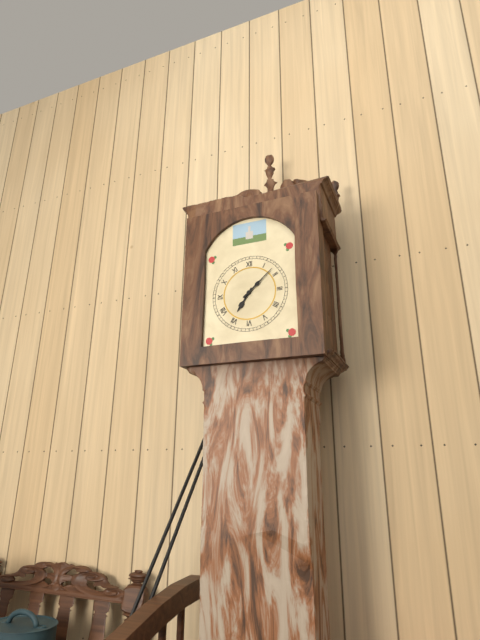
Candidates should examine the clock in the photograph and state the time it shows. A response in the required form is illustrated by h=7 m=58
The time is h=7 m=8
